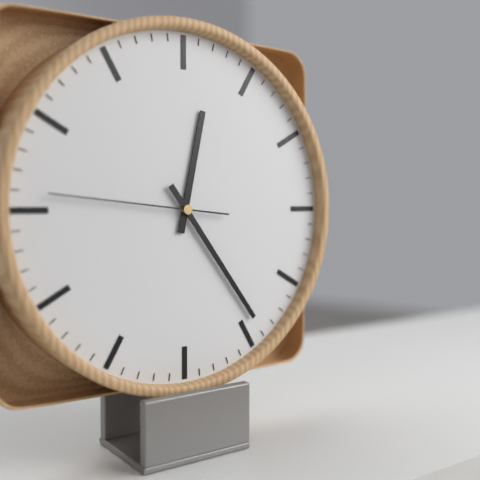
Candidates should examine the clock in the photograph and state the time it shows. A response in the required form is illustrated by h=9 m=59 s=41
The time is h=12 m=24 s=46
